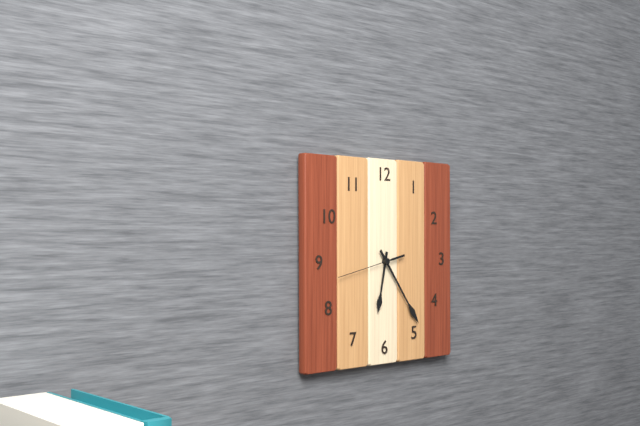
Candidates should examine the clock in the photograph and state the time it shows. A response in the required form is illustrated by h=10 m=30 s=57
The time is h=6 m=24 s=43
